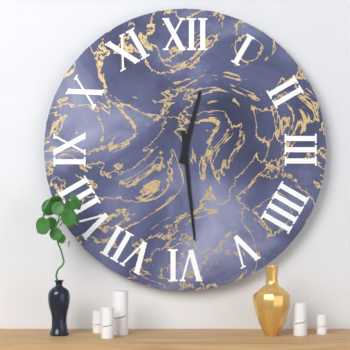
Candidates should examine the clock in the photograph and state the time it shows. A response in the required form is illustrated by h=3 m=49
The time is h=12 m=29
